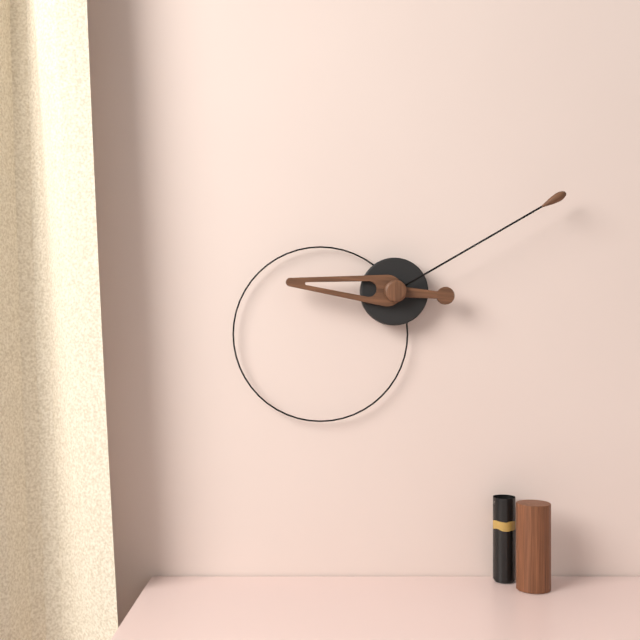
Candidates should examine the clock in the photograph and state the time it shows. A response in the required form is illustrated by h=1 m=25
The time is h=9 m=10
